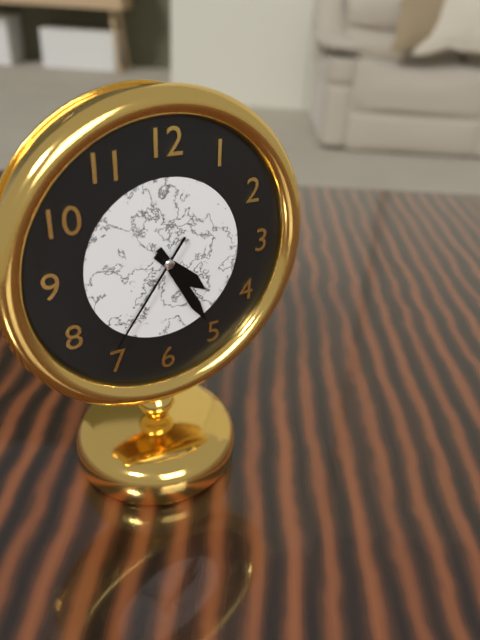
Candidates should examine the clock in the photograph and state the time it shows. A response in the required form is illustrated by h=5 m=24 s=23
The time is h=4 m=25 s=36
